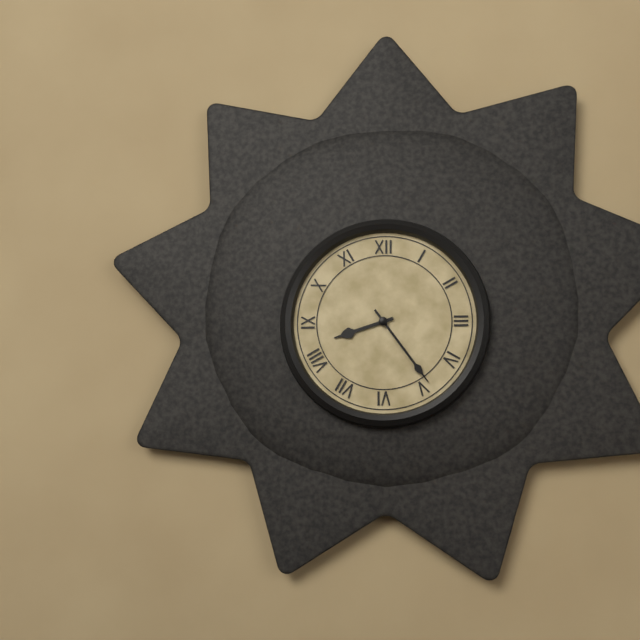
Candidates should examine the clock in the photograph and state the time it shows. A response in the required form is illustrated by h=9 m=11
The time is h=8 m=24
